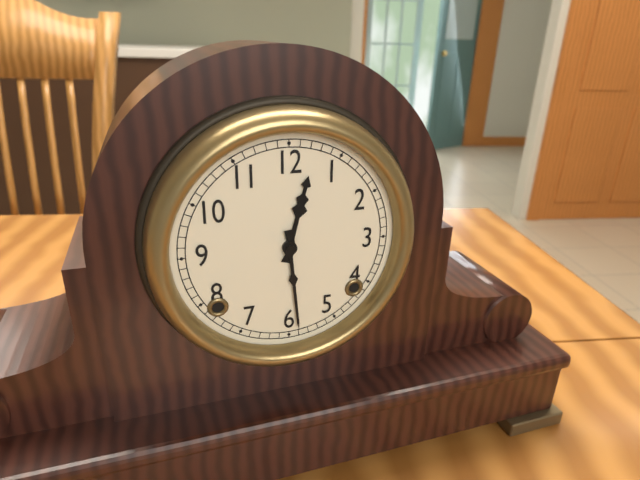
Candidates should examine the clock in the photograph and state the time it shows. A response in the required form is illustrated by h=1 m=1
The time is h=12 m=29
